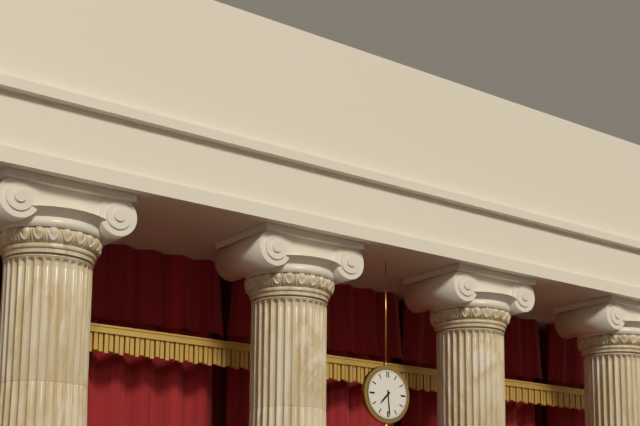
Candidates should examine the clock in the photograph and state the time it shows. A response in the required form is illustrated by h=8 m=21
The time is h=7 m=29
